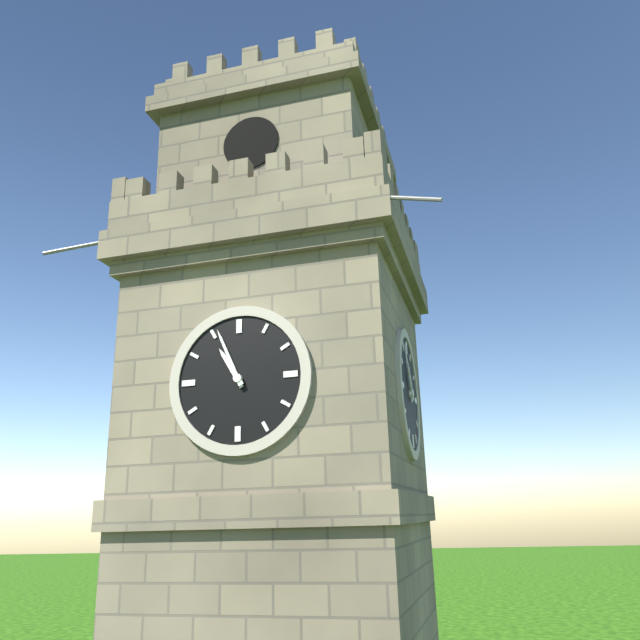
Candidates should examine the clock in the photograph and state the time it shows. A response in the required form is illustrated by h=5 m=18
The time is h=10 m=56
